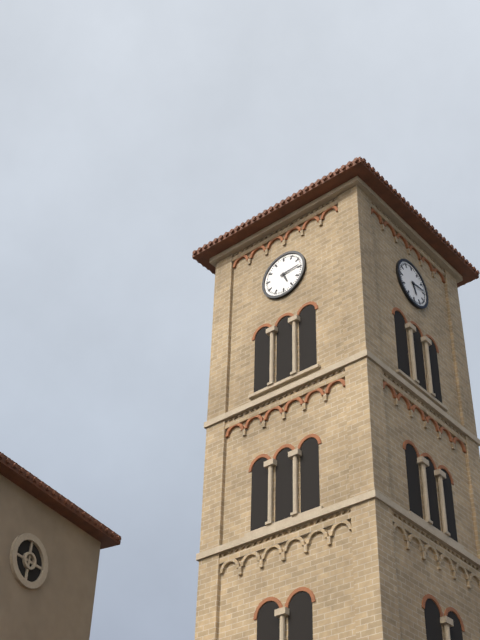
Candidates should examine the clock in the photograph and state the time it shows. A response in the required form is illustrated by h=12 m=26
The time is h=5 m=14
